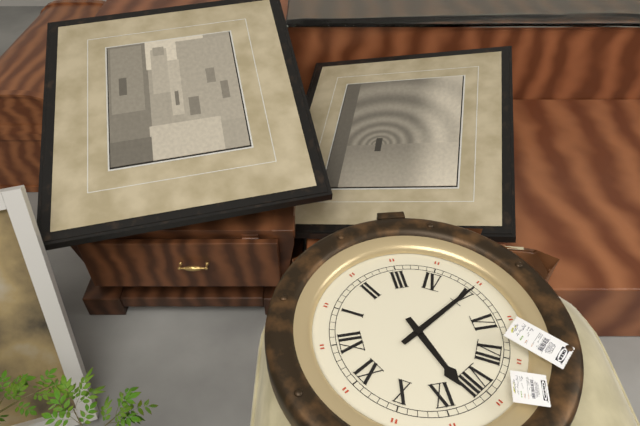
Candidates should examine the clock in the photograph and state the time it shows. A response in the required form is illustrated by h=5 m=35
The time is h=8 m=25
